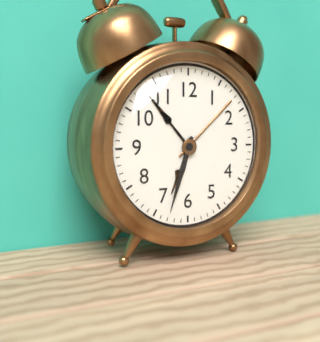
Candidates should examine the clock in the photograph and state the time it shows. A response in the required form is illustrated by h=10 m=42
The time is h=6 m=33
